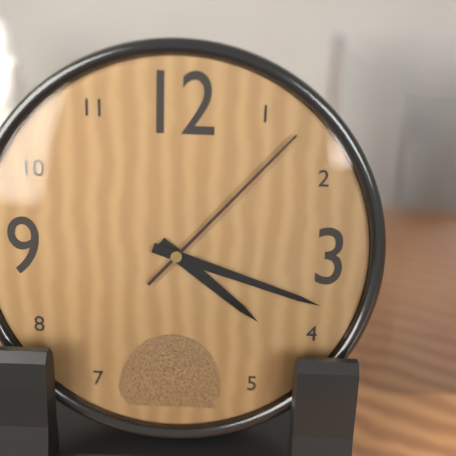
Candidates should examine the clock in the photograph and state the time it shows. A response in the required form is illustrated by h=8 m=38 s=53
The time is h=4 m=18 s=7
